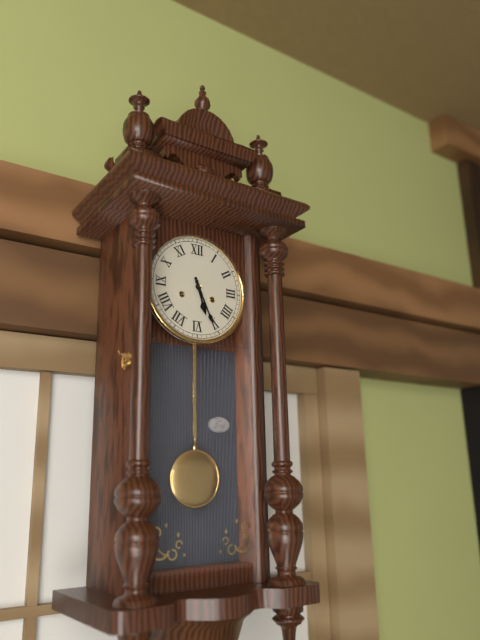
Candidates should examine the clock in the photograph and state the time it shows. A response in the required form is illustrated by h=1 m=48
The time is h=5 m=26
